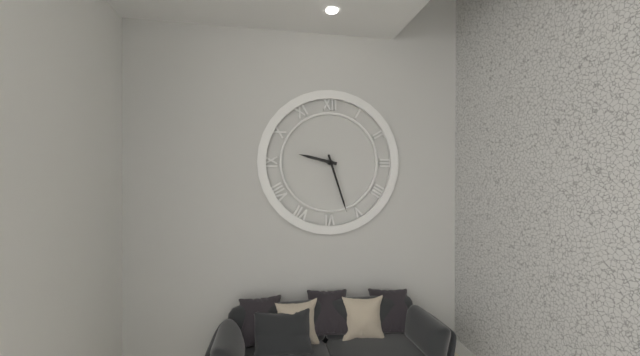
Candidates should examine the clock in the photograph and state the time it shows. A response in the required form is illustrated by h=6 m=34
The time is h=9 m=27
